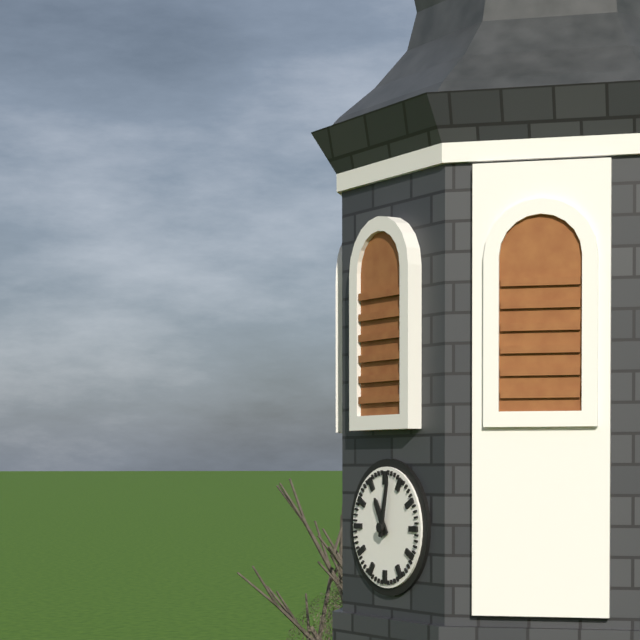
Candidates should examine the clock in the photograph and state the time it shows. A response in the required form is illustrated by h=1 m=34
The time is h=11 m=2
